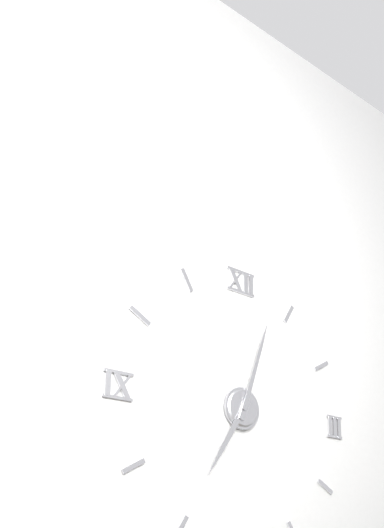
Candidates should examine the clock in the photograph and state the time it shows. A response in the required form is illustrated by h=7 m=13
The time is h=7 m=3
